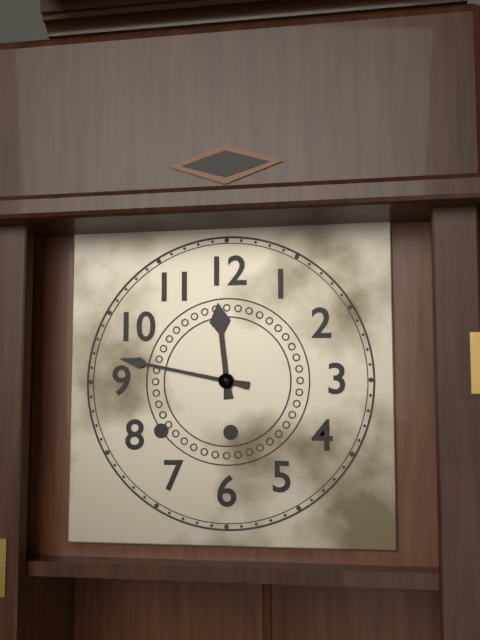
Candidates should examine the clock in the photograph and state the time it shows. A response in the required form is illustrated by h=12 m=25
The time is h=11 m=47
